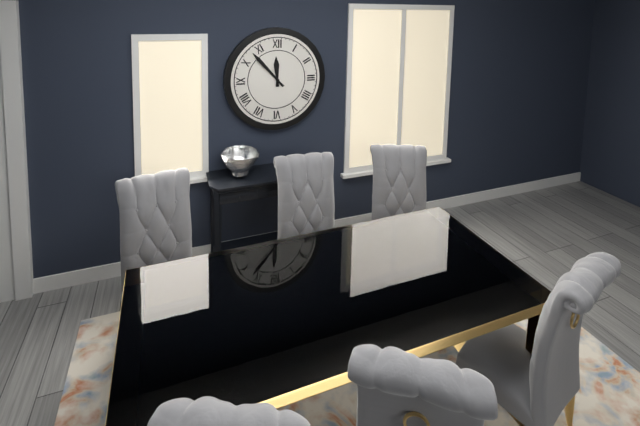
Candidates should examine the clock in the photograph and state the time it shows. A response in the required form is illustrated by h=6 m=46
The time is h=11 m=53
